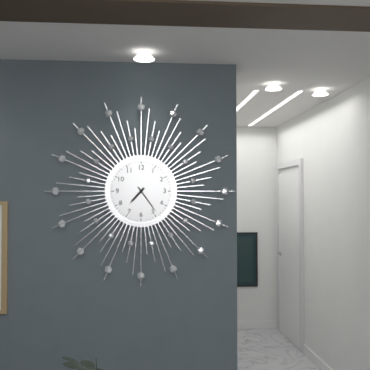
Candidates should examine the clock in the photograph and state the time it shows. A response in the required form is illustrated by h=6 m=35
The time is h=7 m=24
